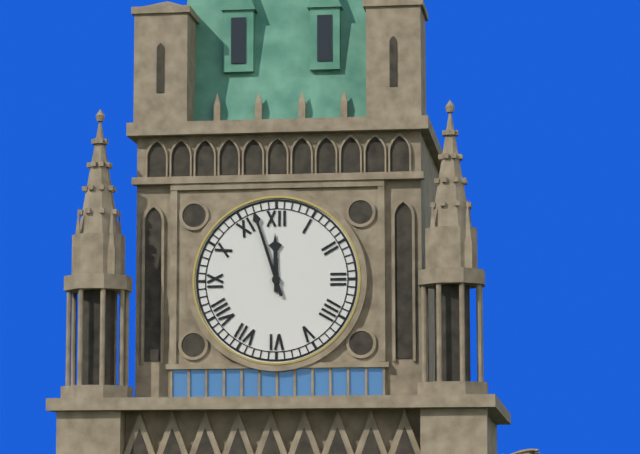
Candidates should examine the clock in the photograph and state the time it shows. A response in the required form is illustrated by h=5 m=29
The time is h=11 m=57
